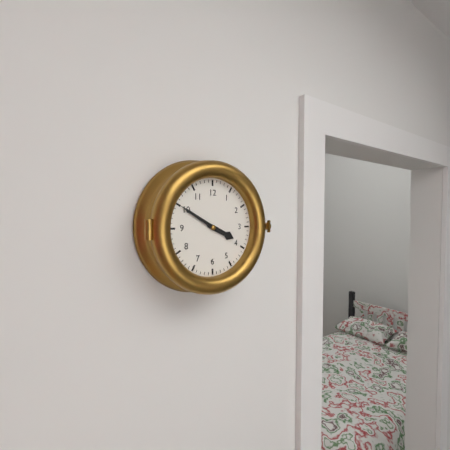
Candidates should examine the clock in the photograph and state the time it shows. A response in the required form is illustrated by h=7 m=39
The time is h=3 m=50
